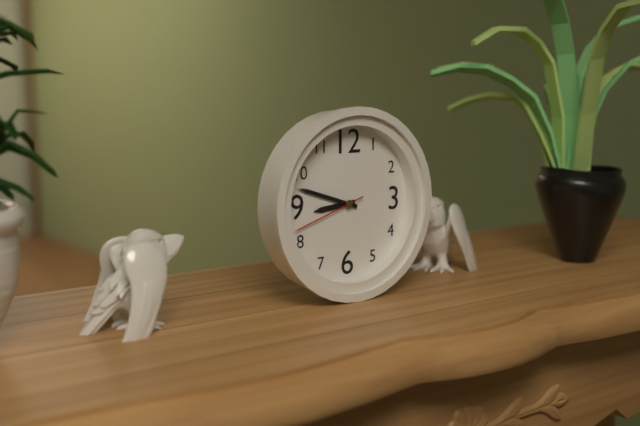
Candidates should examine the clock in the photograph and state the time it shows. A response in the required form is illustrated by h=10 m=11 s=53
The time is h=8 m=48 s=42
